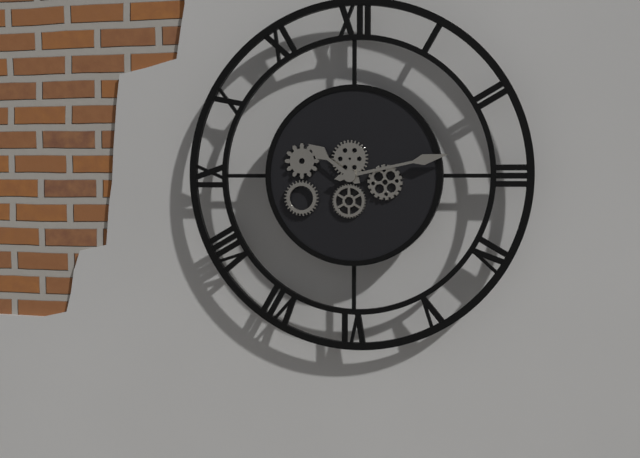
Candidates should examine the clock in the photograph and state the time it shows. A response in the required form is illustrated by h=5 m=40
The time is h=10 m=13
